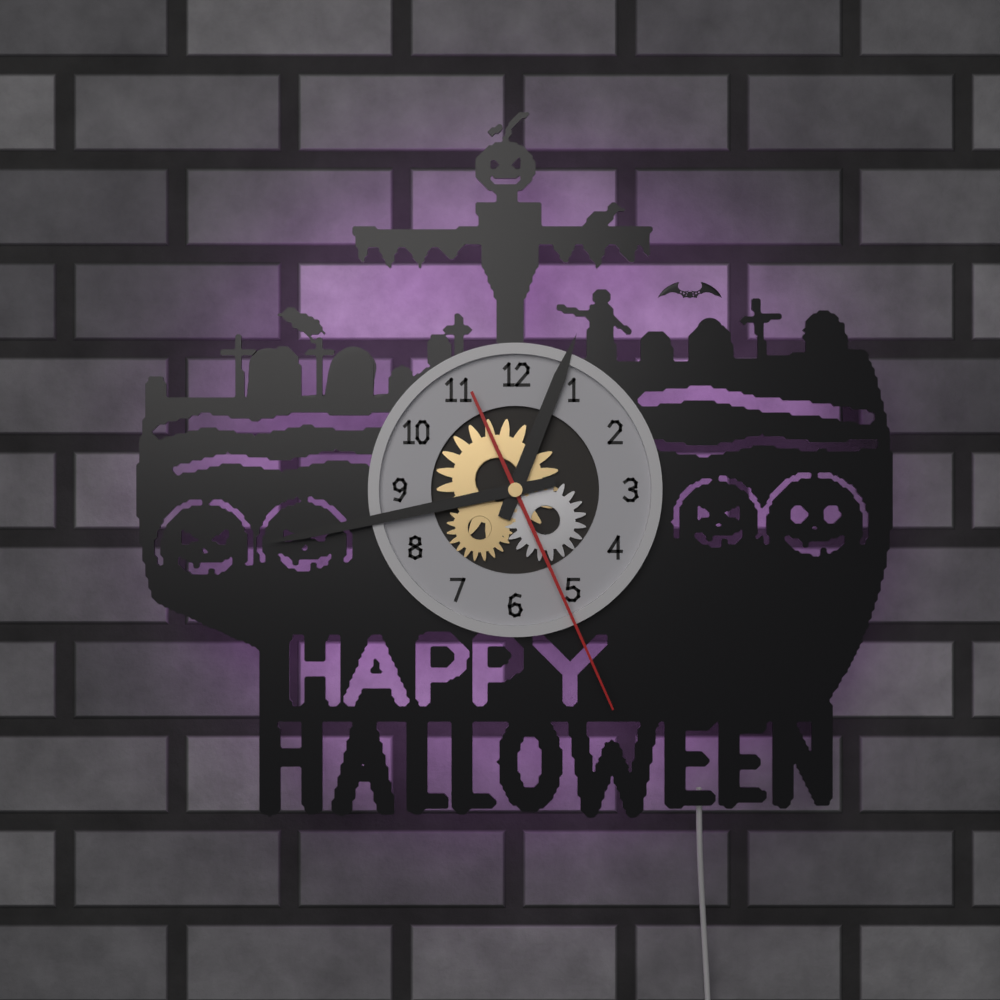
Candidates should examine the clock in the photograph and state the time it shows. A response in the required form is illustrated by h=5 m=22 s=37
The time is h=12 m=43 s=26
